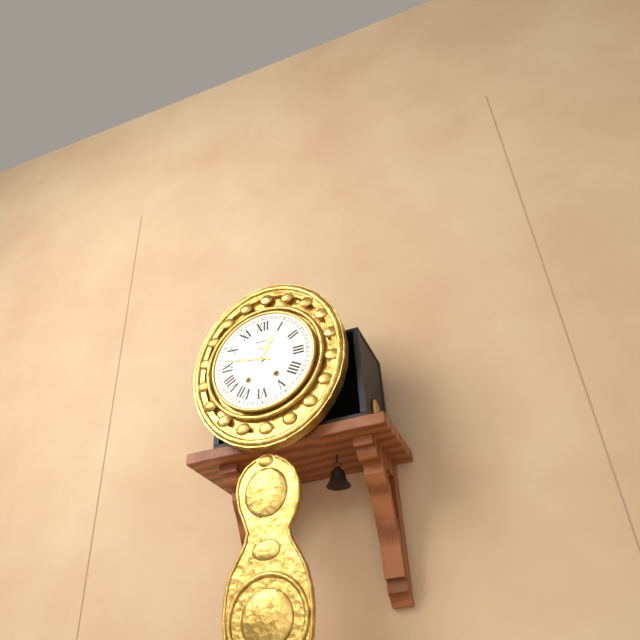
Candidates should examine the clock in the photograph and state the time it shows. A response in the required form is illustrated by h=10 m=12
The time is h=12 m=47
